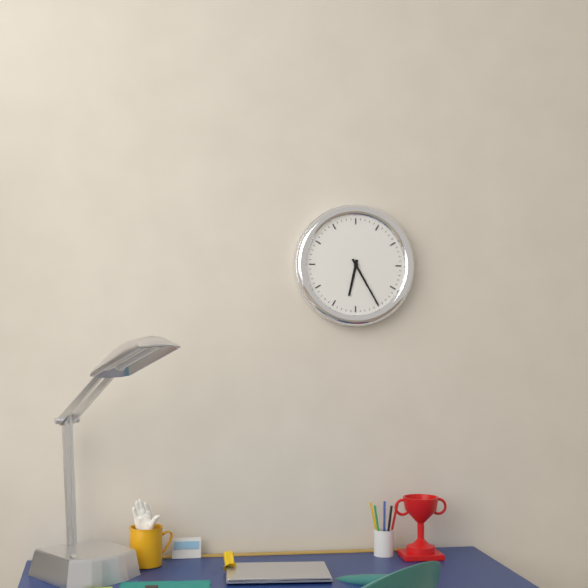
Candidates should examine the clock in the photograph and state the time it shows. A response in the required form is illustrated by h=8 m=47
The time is h=6 m=25
